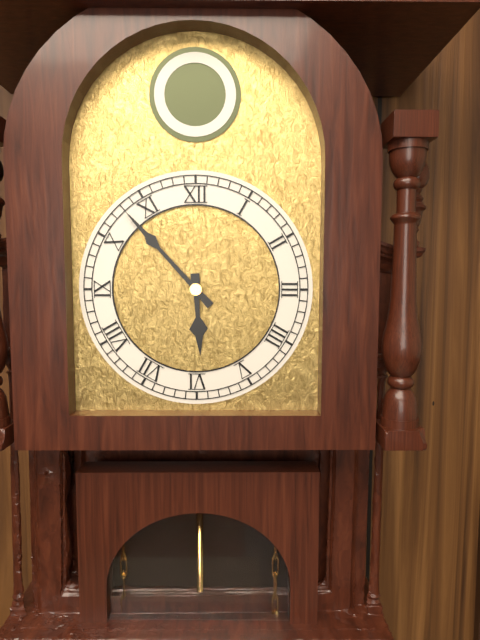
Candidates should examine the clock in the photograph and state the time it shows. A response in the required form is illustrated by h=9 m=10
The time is h=5 m=53
